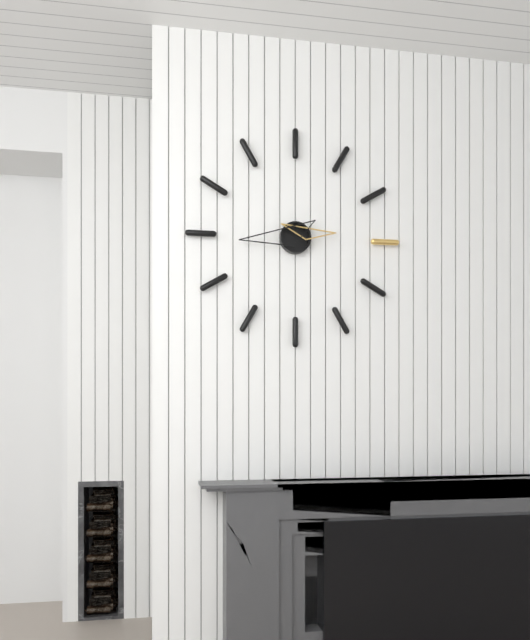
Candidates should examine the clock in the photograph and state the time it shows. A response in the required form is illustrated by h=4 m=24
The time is h=2 m=44
